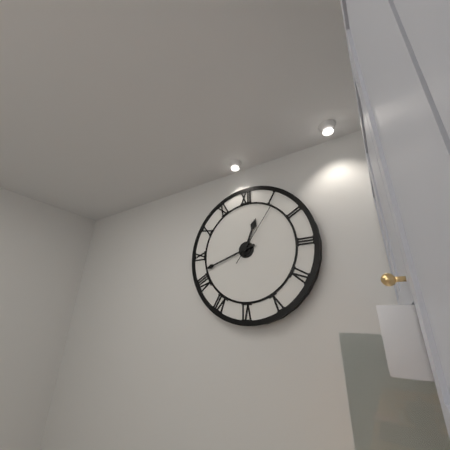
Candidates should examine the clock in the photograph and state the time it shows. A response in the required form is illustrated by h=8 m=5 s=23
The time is h=12 m=42 s=6
